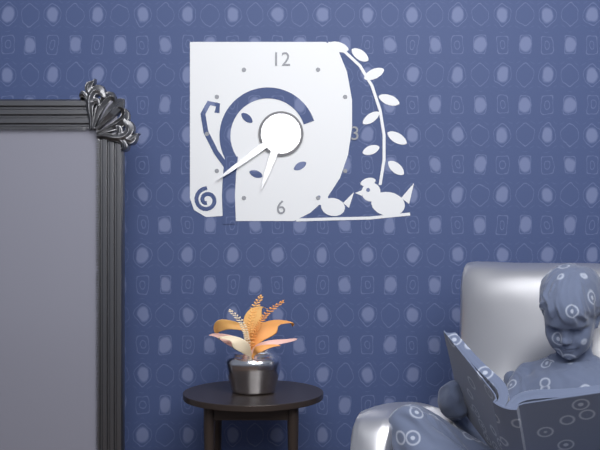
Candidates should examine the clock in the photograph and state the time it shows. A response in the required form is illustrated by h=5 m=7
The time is h=6 m=39
